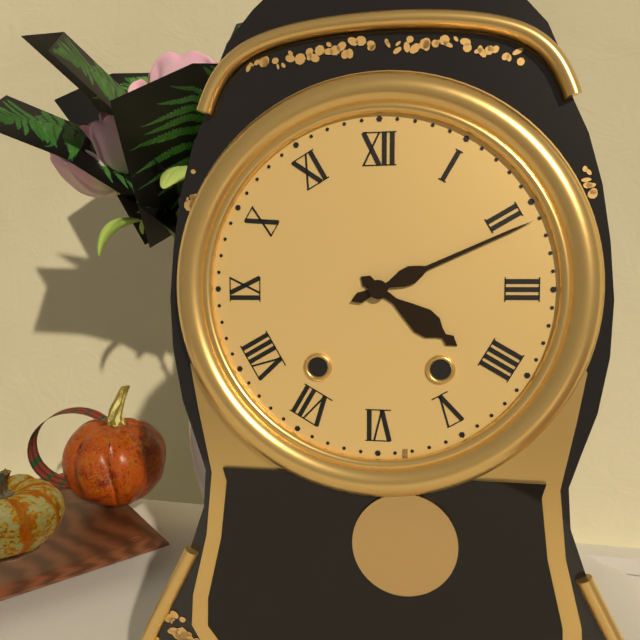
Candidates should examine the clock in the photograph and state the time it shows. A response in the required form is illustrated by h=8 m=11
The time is h=4 m=11
